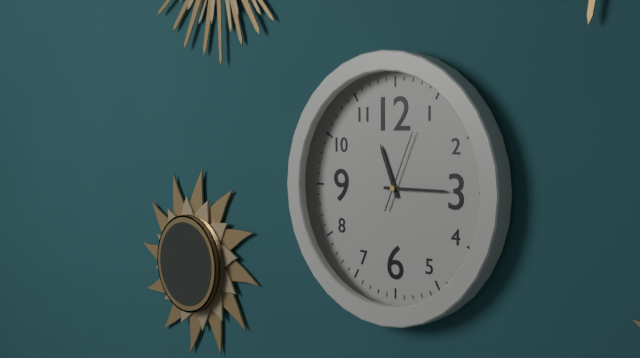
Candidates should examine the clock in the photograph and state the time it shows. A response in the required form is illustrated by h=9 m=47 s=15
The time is h=11 m=15 s=4
